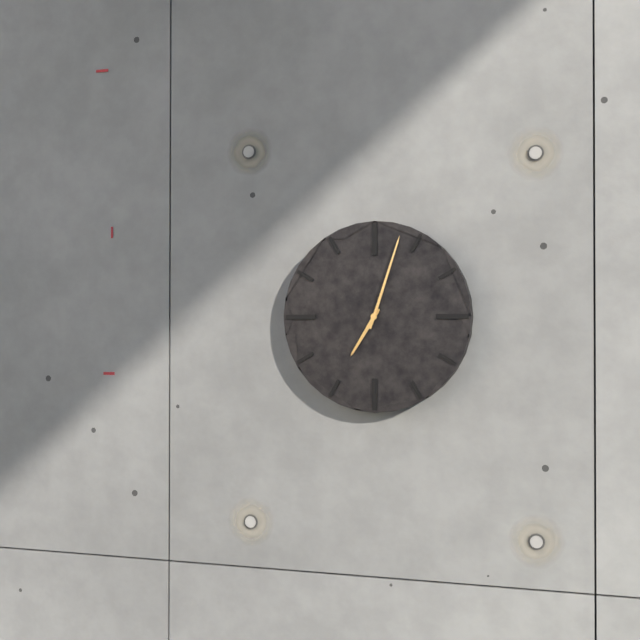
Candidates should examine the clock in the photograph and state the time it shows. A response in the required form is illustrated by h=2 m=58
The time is h=7 m=3
